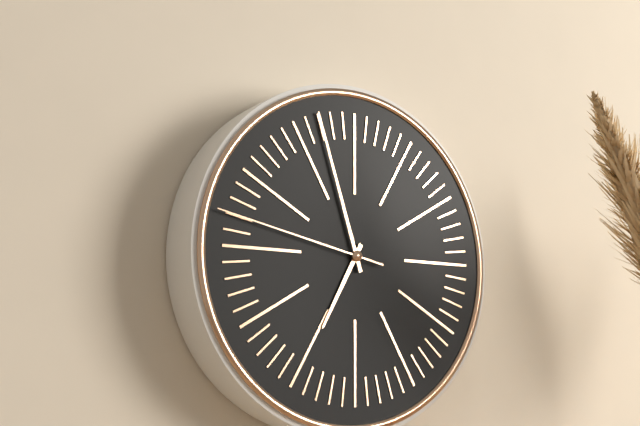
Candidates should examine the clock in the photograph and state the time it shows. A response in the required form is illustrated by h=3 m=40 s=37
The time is h=6 m=57 s=47
